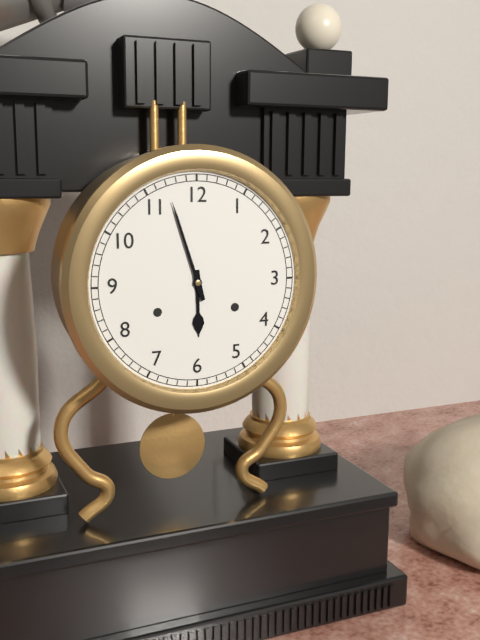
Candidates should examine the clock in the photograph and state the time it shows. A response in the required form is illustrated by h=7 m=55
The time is h=5 m=57
